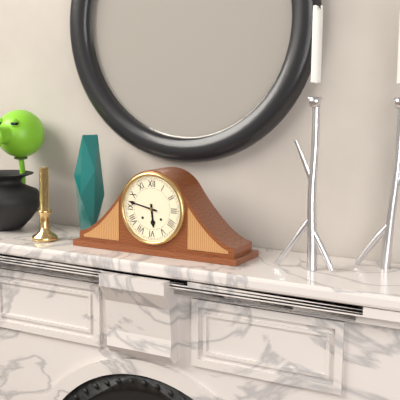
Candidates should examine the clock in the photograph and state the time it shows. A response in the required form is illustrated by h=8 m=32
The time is h=5 m=47
